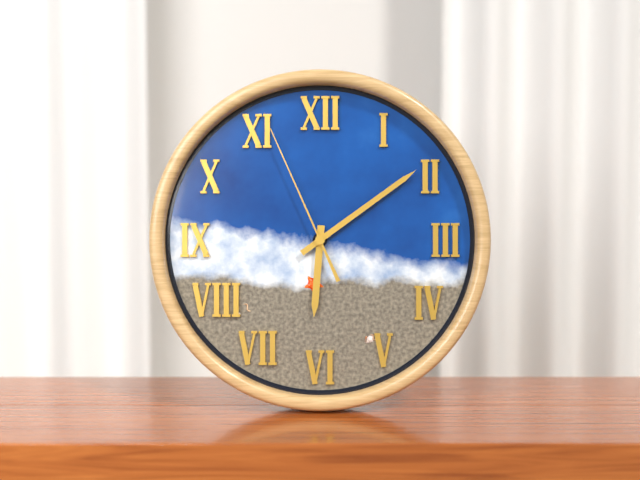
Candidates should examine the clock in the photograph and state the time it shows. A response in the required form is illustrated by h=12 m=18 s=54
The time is h=6 m=9 s=56
